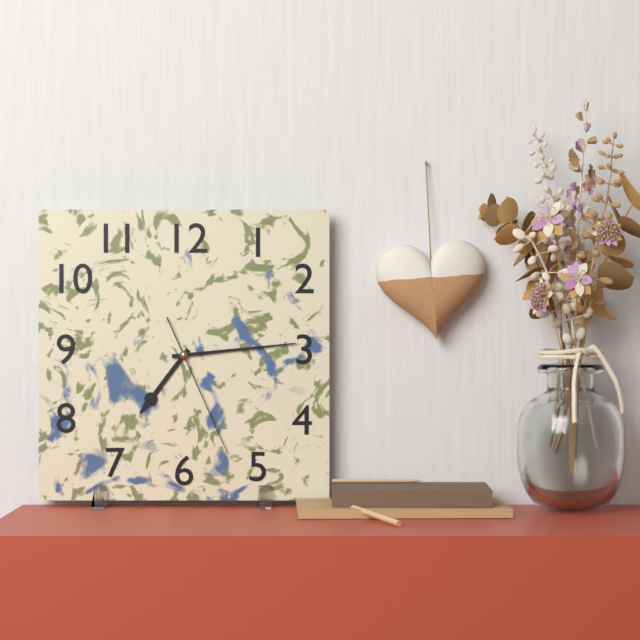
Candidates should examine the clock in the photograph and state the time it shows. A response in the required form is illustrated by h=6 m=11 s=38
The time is h=7 m=14 s=26
